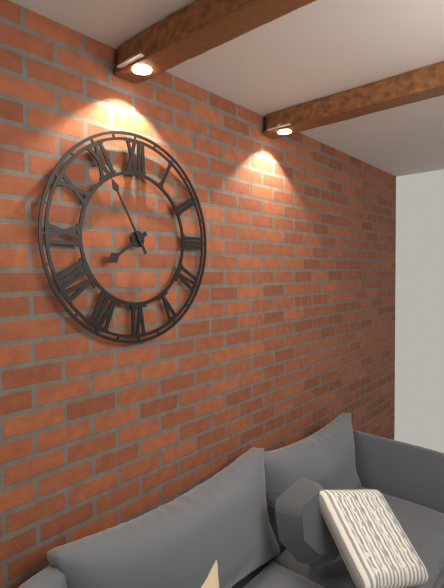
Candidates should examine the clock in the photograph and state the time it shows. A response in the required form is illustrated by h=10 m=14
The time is h=7 m=55
